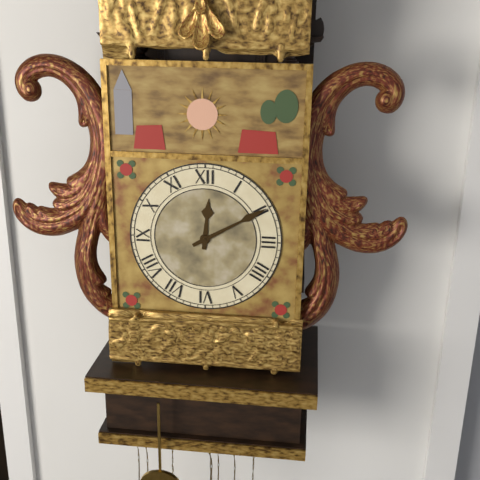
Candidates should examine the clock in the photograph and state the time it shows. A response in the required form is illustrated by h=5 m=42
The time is h=12 m=10
